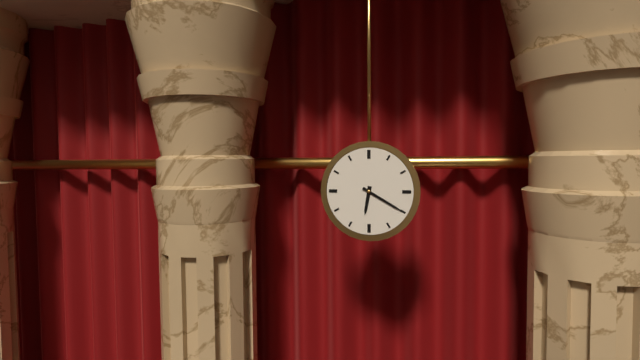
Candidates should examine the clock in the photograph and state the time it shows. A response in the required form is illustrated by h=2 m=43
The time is h=6 m=20
